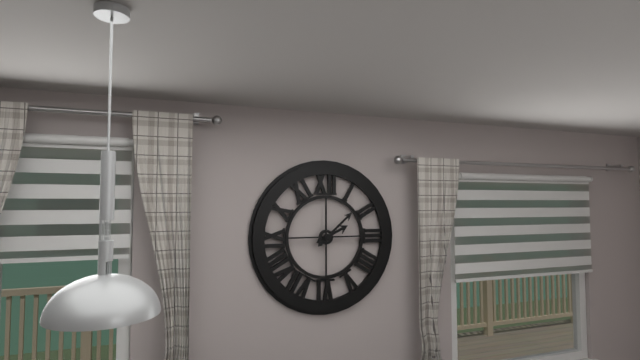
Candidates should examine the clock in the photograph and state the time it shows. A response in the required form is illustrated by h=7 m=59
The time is h=2 m=8
